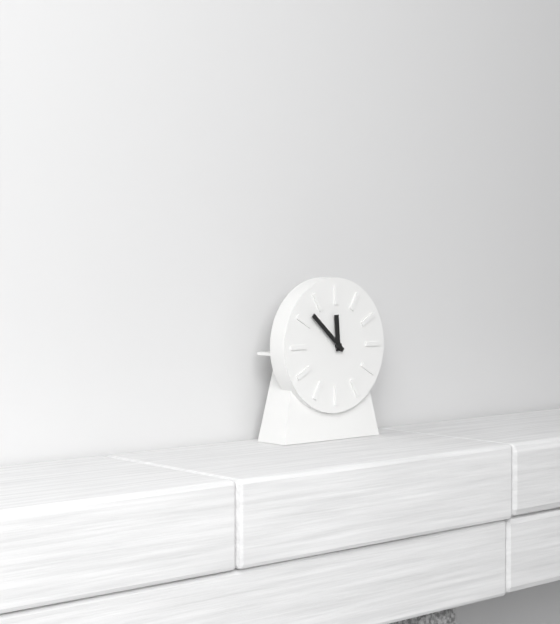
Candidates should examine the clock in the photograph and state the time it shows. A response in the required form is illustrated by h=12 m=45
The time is h=11 m=52
